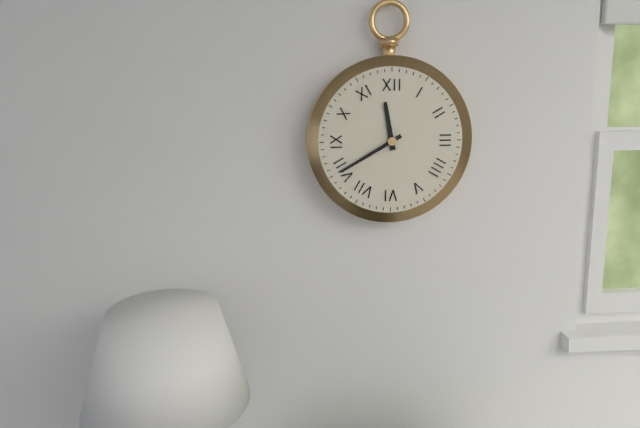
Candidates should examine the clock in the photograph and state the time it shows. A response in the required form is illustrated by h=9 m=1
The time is h=11 m=40
